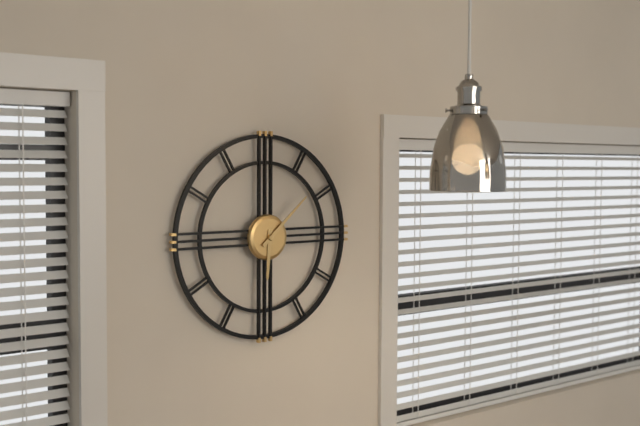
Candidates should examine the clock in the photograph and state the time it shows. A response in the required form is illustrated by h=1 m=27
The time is h=6 m=8
